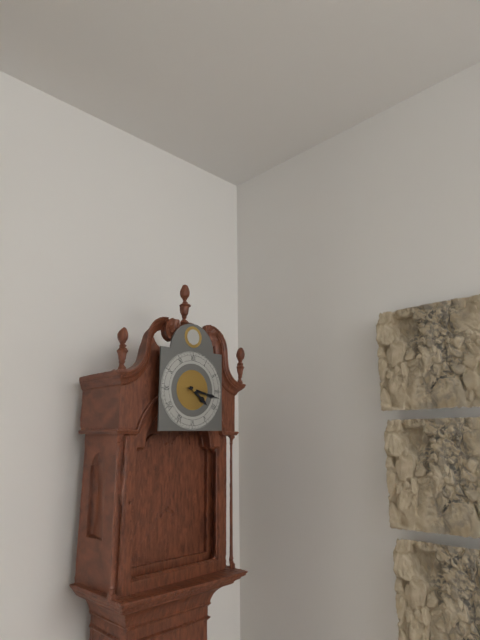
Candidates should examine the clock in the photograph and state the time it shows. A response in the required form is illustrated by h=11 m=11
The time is h=4 m=17
